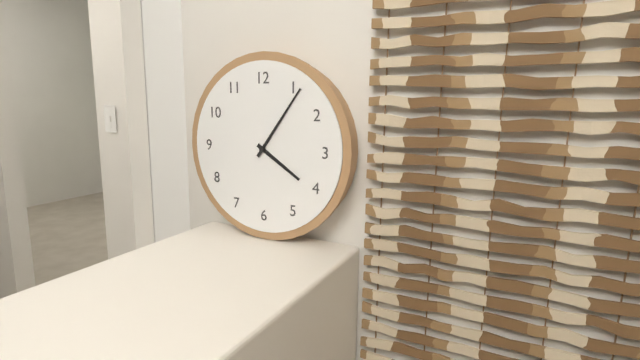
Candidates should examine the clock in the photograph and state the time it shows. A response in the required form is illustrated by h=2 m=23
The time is h=4 m=6
